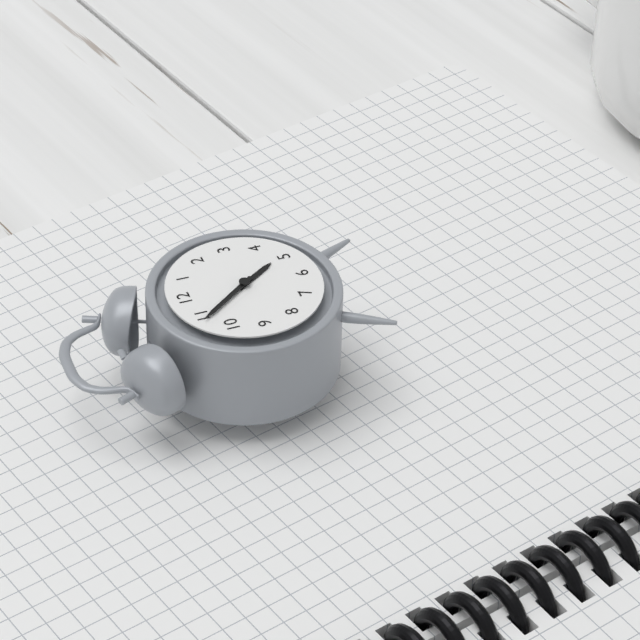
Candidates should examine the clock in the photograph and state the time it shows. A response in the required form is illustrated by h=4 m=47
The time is h=4 m=54
